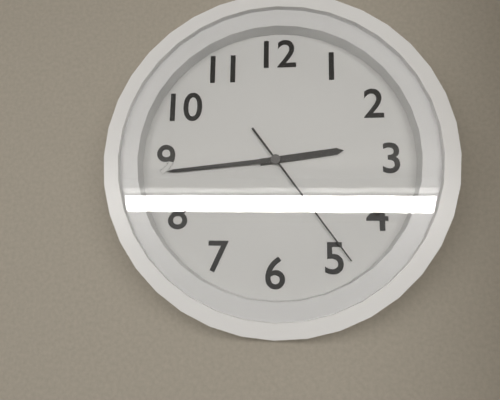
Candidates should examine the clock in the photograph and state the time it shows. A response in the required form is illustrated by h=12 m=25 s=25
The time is h=2 m=44 s=24
